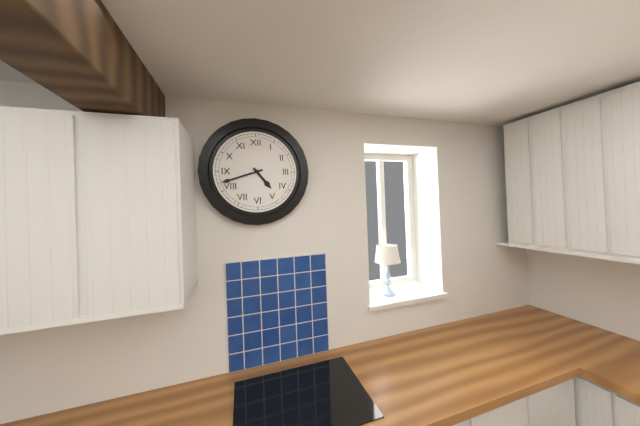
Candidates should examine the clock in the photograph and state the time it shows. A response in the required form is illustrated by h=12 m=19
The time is h=4 m=42
